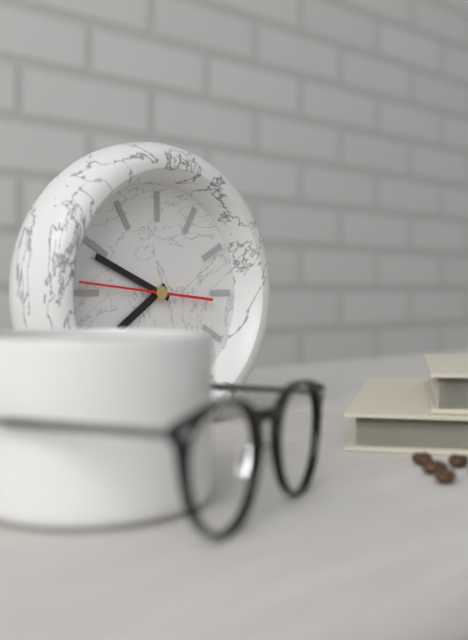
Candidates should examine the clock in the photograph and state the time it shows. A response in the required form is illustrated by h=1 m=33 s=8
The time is h=7 m=49 s=46
